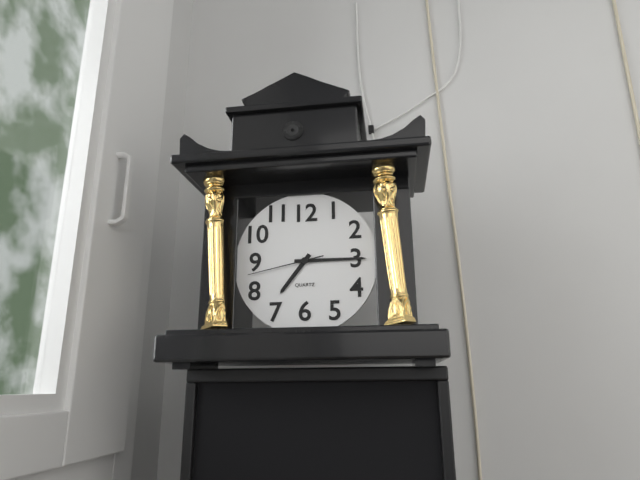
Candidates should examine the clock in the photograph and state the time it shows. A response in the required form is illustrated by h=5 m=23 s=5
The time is h=7 m=15 s=43
